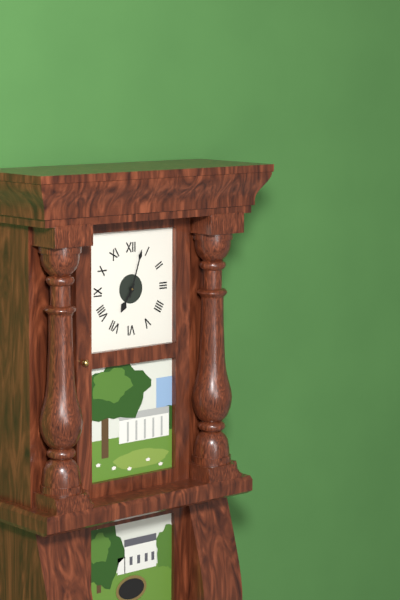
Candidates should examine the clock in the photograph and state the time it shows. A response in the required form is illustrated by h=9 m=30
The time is h=7 m=3
